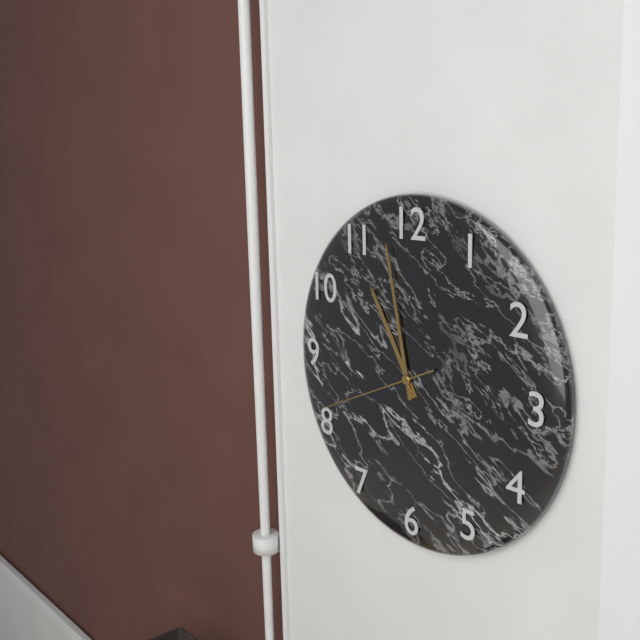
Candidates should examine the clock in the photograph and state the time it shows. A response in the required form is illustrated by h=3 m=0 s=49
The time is h=10 m=58 s=41
